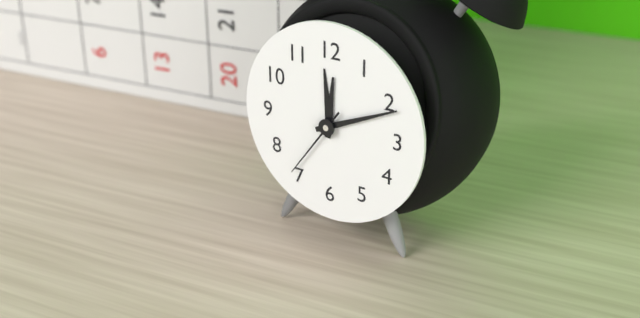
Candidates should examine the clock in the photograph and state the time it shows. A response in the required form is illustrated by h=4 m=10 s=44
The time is h=12 m=11 s=36
